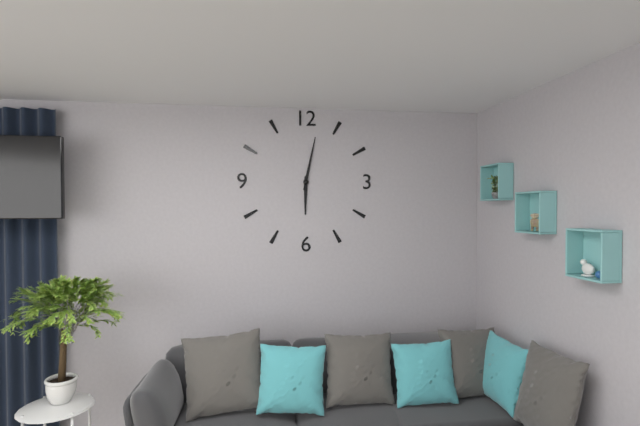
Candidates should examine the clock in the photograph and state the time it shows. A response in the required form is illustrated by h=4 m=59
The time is h=6 m=2
